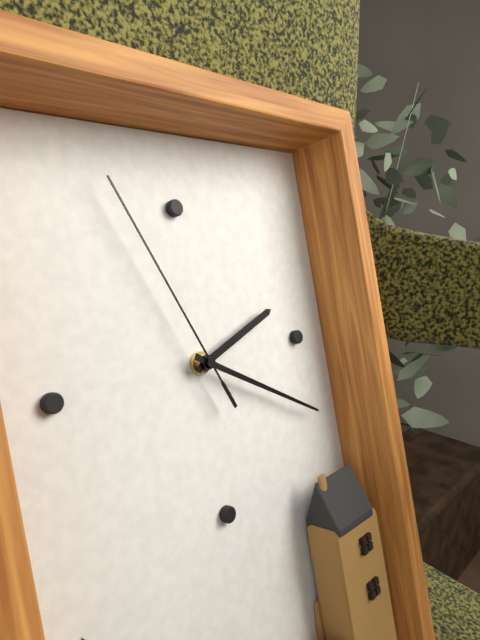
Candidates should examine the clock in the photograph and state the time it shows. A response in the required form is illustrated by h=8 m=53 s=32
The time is h=2 m=20 s=56
